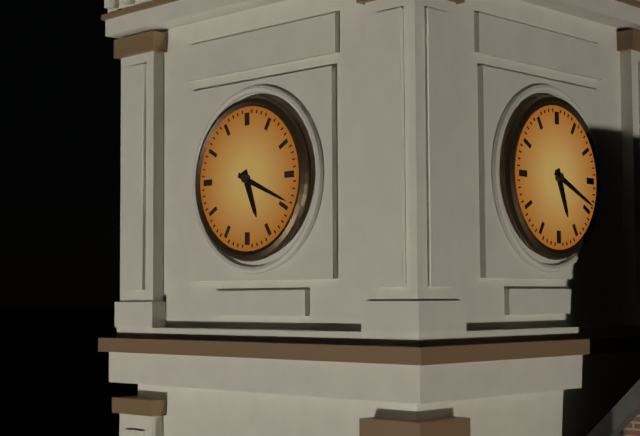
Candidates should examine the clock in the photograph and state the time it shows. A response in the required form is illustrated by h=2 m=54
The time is h=5 m=19
